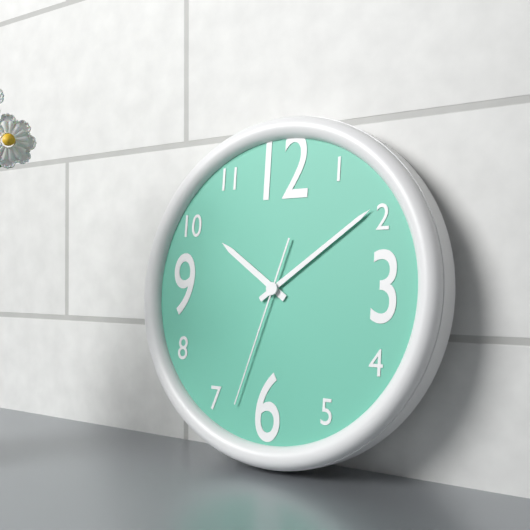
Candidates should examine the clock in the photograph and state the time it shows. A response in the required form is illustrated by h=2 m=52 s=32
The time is h=10 m=9 s=33
